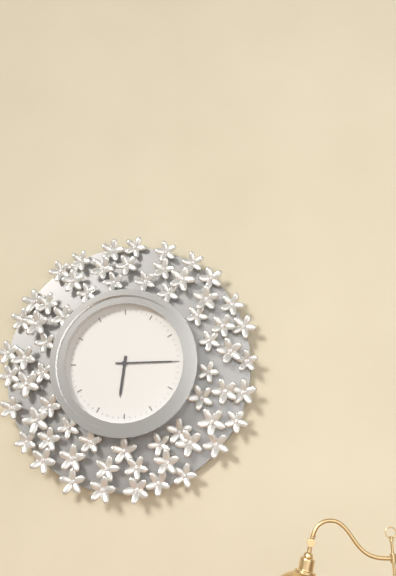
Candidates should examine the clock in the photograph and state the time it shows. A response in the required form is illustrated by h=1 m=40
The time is h=6 m=15
